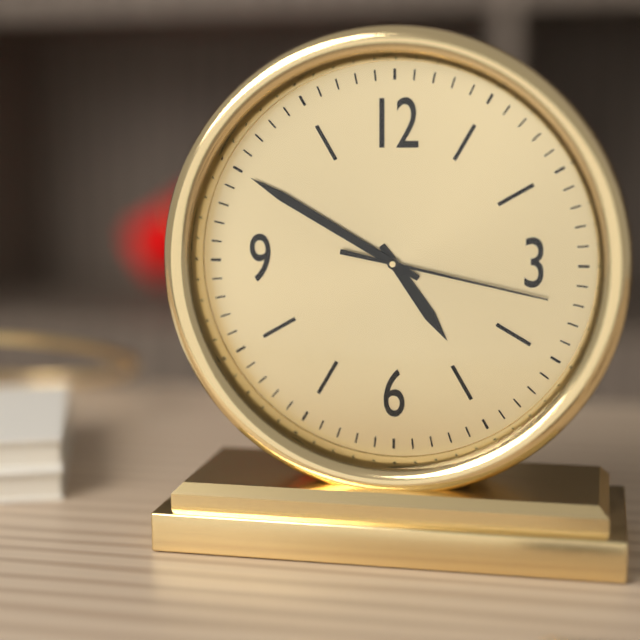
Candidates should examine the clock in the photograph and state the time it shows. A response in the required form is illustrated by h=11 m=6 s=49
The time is h=4 m=50 s=17
